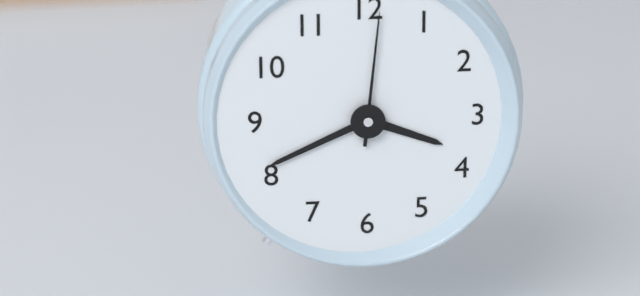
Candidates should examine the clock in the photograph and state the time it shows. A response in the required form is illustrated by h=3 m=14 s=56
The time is h=3 m=41 s=1
